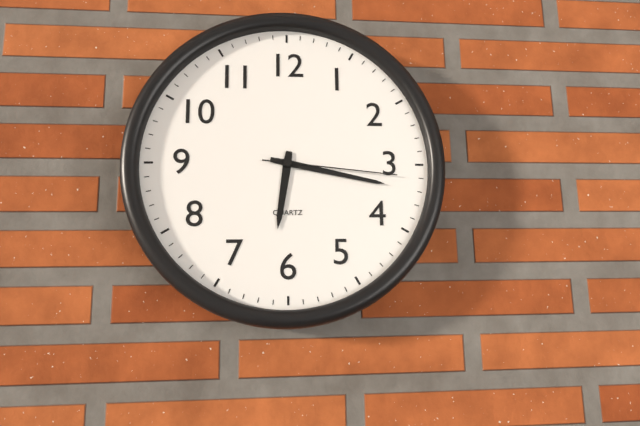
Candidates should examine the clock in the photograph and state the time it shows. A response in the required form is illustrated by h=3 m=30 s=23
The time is h=6 m=17 s=16
